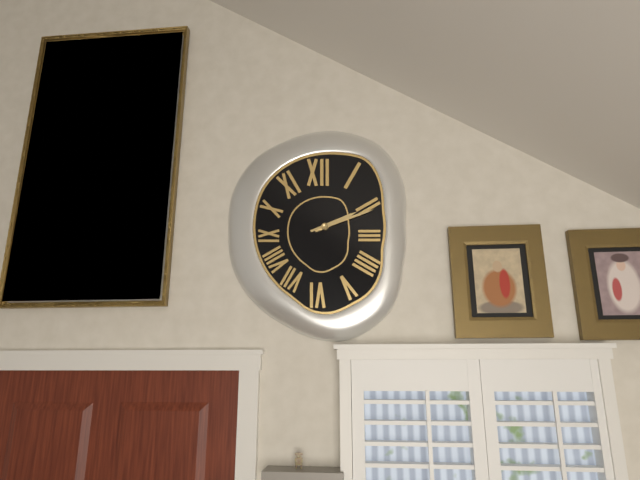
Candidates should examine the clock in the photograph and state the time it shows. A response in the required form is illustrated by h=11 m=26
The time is h=2 m=12
